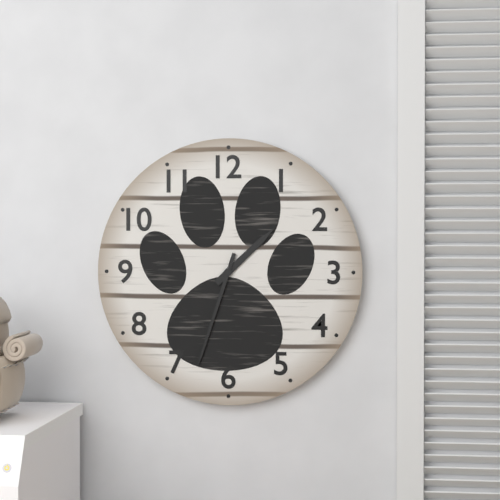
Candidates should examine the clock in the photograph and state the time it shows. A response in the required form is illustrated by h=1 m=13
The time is h=1 m=33
